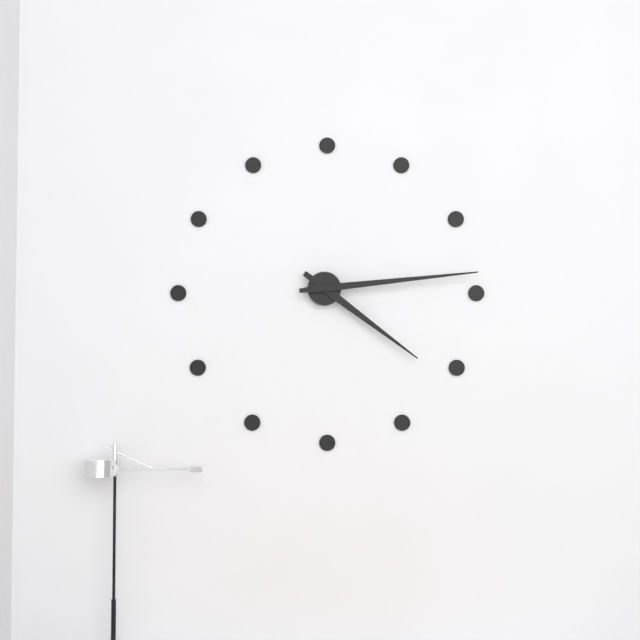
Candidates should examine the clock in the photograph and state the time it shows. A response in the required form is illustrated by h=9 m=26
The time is h=4 m=14
